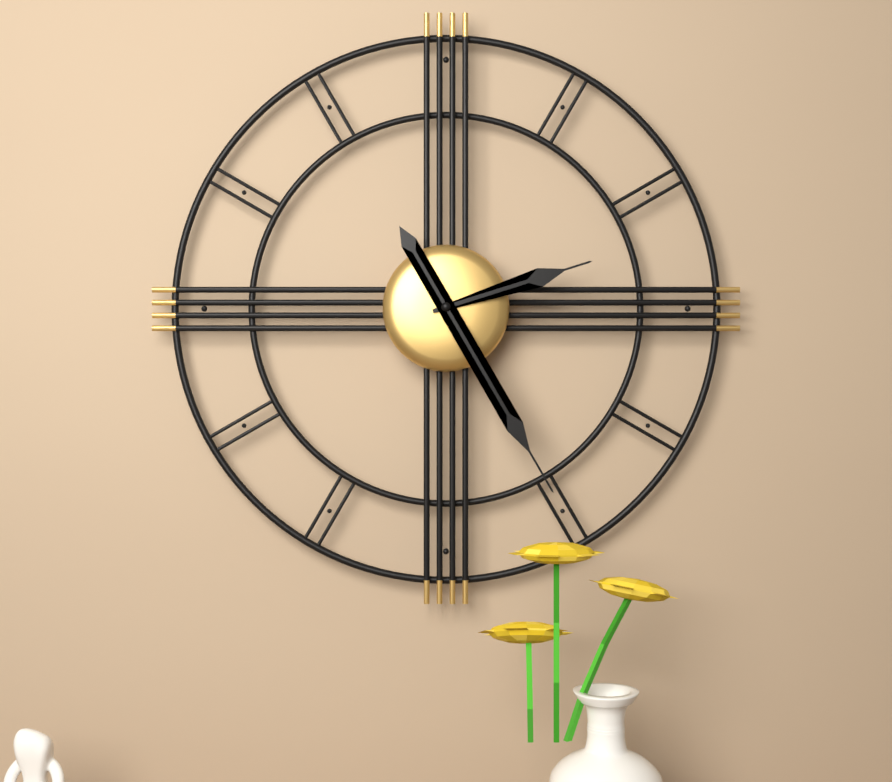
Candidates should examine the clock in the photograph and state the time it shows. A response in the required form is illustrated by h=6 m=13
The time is h=2 m=25
